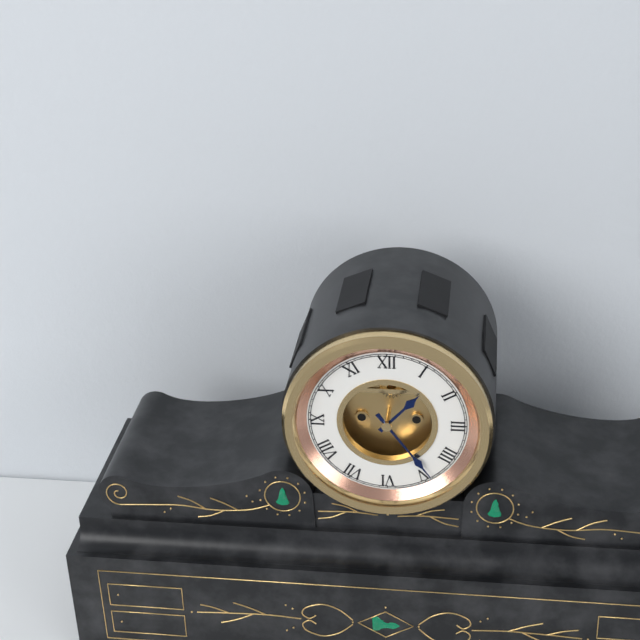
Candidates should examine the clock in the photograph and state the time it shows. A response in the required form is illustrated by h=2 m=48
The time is h=1 m=24
